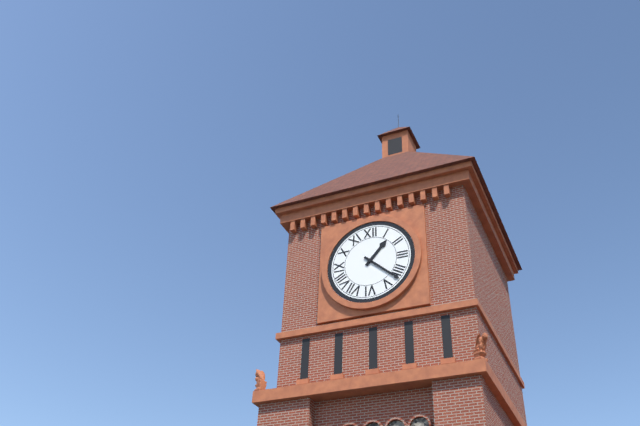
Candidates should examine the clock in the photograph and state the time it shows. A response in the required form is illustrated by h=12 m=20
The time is h=1 m=22
